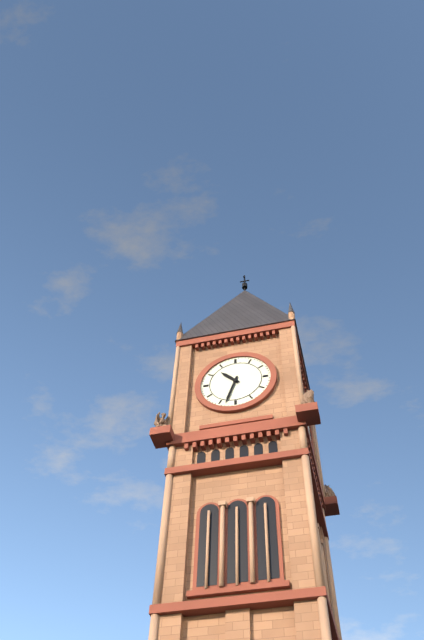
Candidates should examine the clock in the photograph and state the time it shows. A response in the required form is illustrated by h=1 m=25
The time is h=10 m=33
